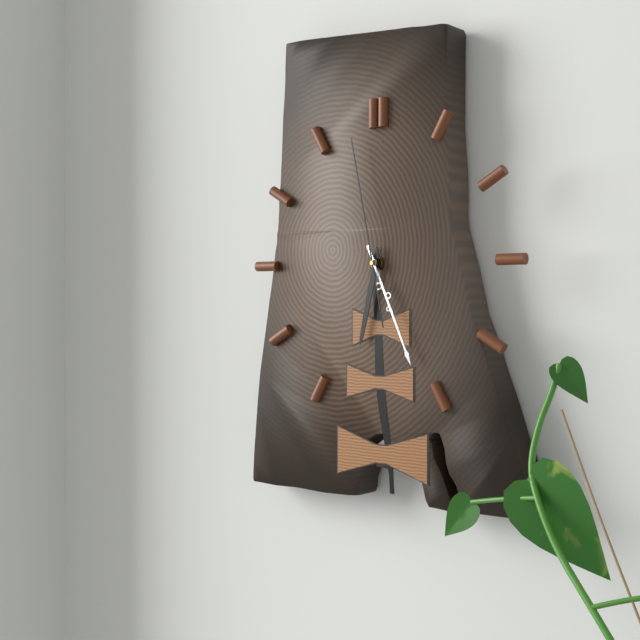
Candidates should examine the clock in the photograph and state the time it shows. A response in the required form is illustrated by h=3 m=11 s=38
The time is h=6 m=26 s=58
